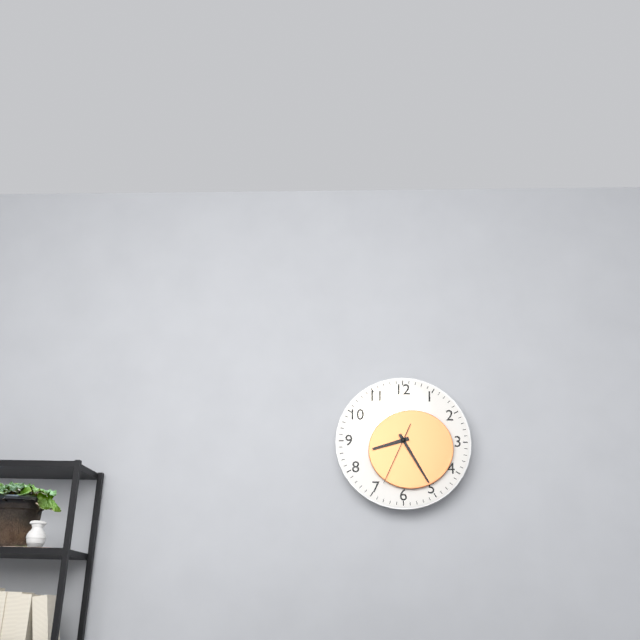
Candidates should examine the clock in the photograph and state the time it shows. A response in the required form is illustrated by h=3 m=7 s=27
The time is h=8 m=25 s=34
